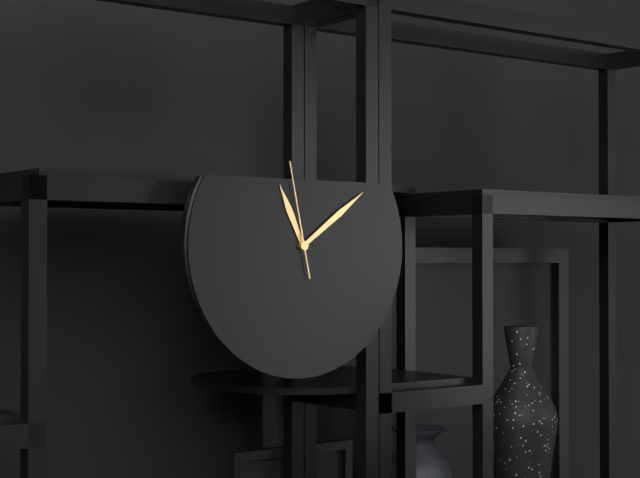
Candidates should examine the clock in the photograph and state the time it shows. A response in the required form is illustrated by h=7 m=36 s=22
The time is h=11 m=9 s=58
